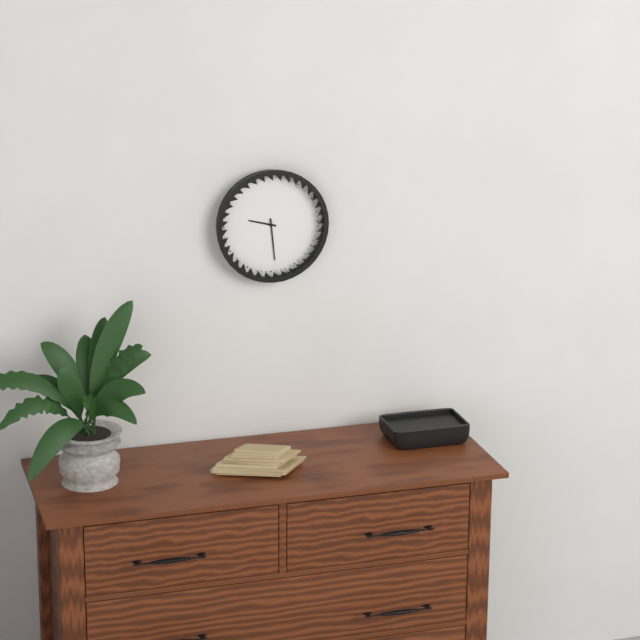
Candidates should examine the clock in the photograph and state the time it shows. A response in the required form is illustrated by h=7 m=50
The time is h=9 m=29
